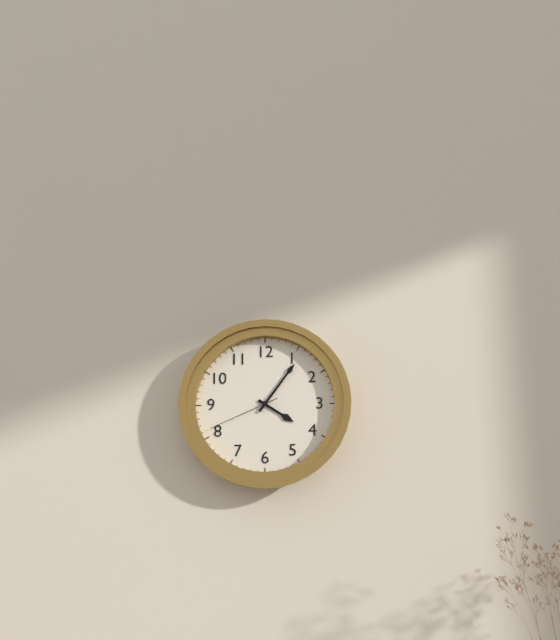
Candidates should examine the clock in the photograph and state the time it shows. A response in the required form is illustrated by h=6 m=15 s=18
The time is h=4 m=6 s=41
